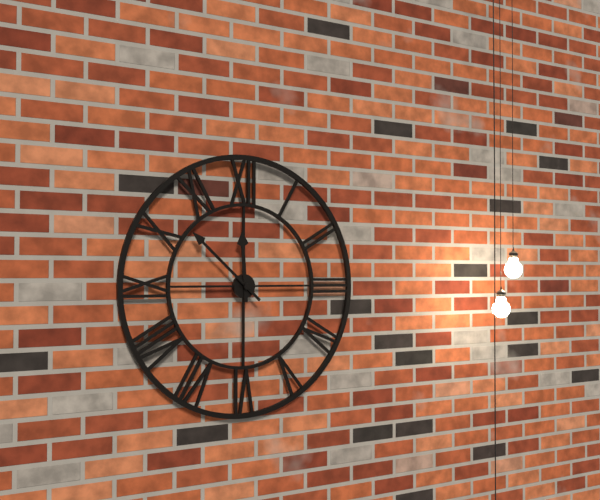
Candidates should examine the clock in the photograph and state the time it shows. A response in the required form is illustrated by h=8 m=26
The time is h=11 m=52
